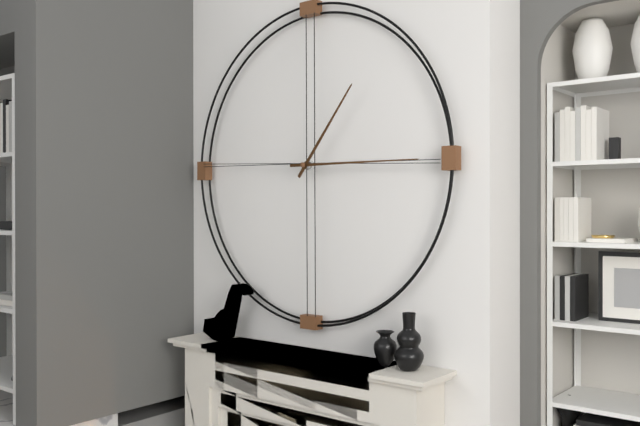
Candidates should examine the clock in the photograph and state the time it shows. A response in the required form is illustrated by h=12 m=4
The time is h=1 m=15
